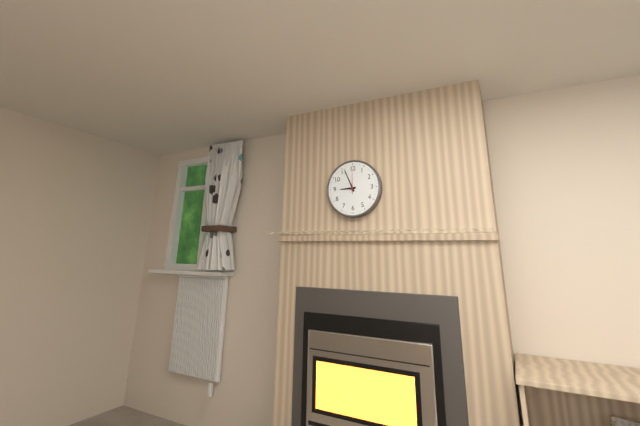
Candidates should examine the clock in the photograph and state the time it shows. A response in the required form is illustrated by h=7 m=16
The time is h=8 m=56
